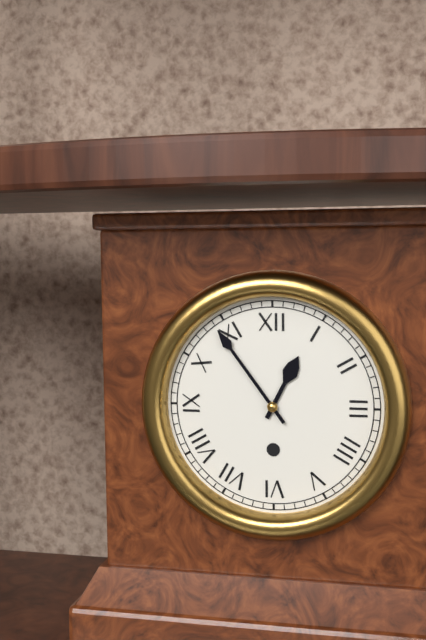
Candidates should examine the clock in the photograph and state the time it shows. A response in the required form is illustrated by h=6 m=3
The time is h=12 m=54
